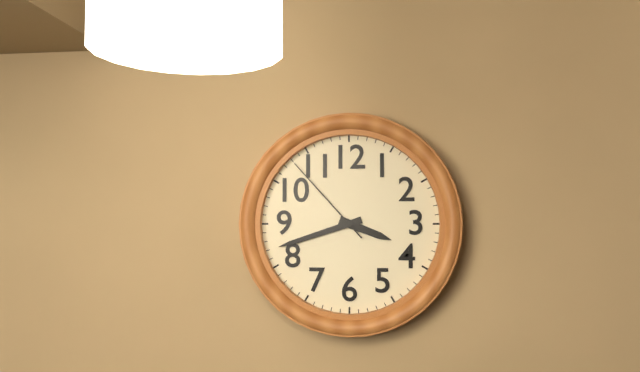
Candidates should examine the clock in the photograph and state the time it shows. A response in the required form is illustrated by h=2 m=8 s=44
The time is h=3 m=42 s=53
